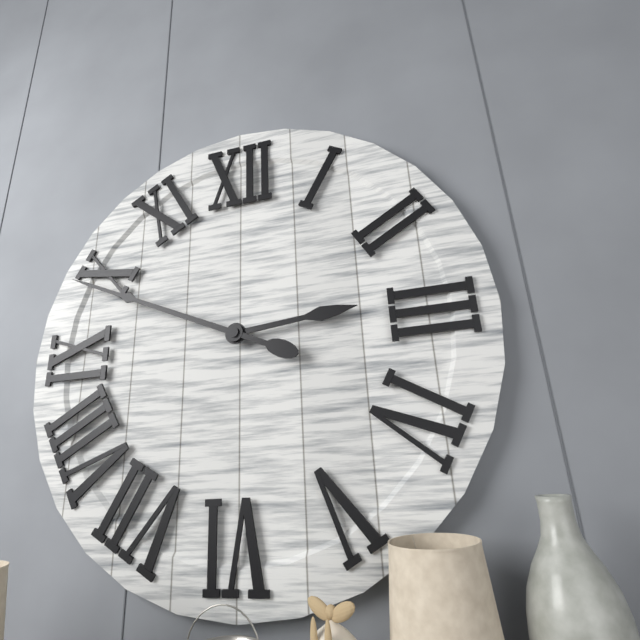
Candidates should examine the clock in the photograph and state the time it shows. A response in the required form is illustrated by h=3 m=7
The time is h=2 m=49
